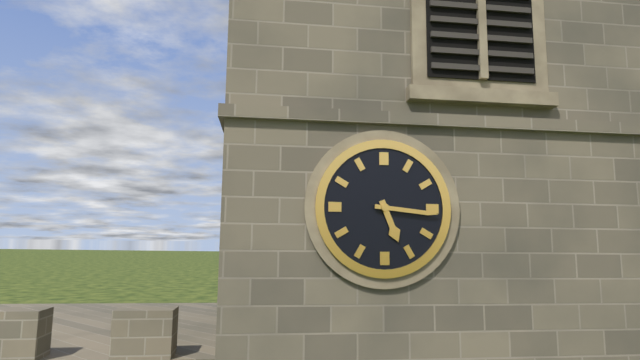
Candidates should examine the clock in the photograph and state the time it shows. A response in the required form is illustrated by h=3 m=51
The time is h=5 m=16
